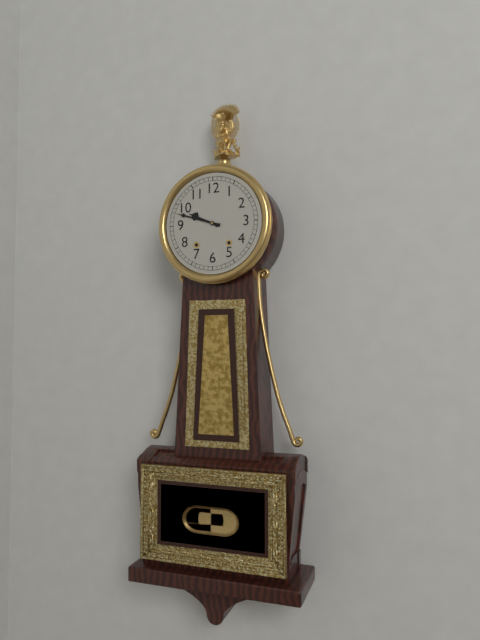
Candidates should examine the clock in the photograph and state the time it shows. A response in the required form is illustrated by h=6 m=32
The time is h=9 m=48
